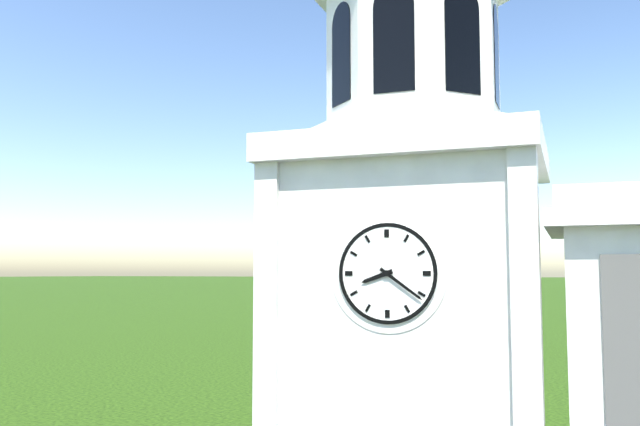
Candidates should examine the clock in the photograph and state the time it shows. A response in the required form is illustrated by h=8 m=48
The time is h=8 m=21
